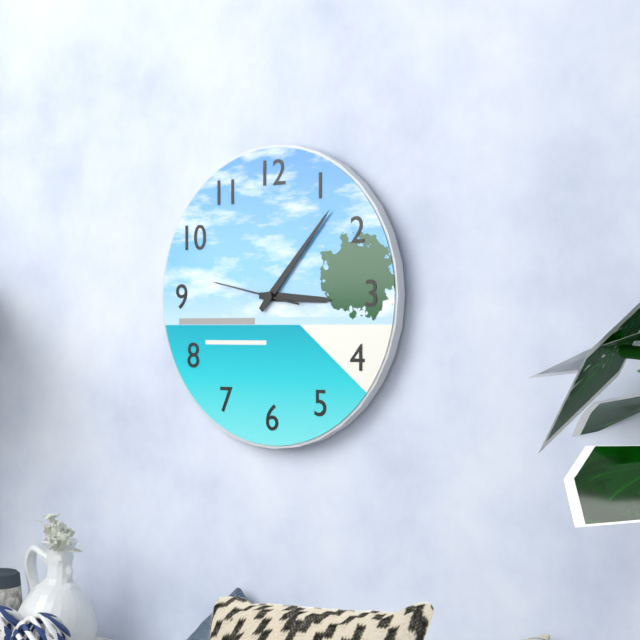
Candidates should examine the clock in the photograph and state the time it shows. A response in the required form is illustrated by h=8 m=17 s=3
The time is h=3 m=7 s=47
